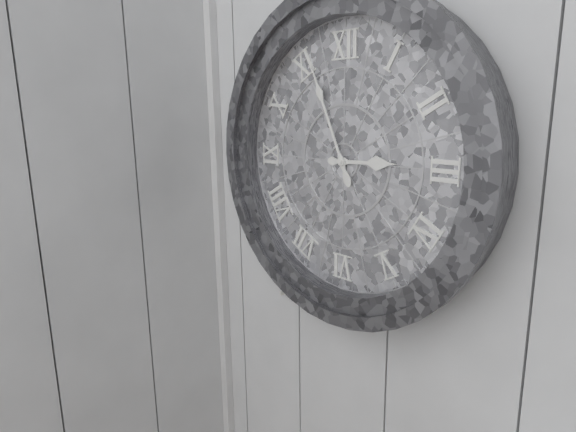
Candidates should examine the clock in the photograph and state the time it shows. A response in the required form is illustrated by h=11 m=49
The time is h=2 m=56
